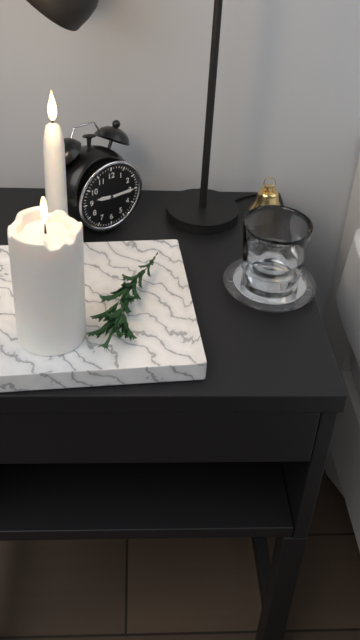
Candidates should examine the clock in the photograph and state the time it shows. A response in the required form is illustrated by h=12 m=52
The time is h=9 m=15
